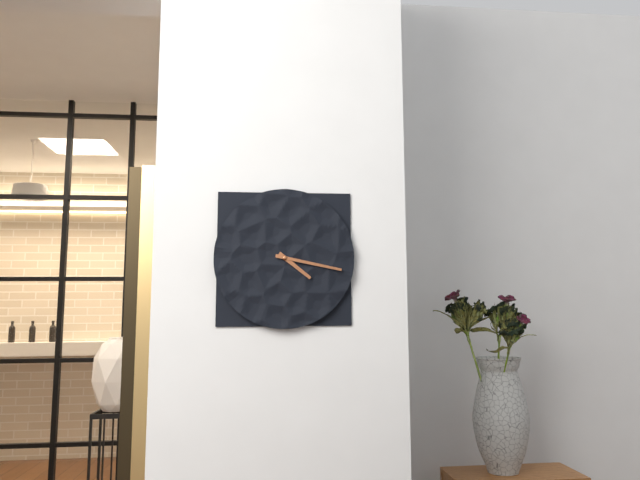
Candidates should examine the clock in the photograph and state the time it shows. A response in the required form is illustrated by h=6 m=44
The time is h=4 m=17
